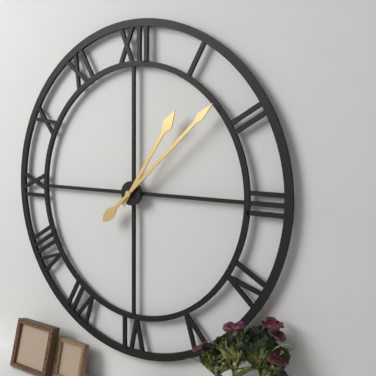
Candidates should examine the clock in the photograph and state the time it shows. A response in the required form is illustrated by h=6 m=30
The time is h=1 m=8
